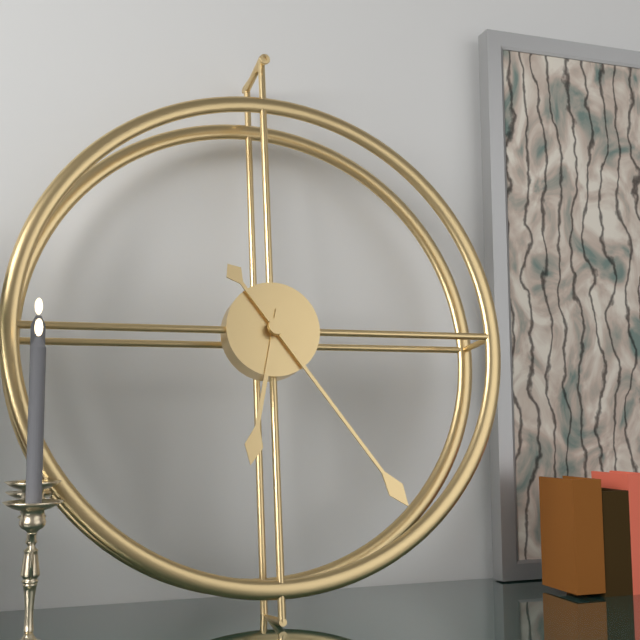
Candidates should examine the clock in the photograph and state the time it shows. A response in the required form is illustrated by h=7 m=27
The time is h=6 m=24
